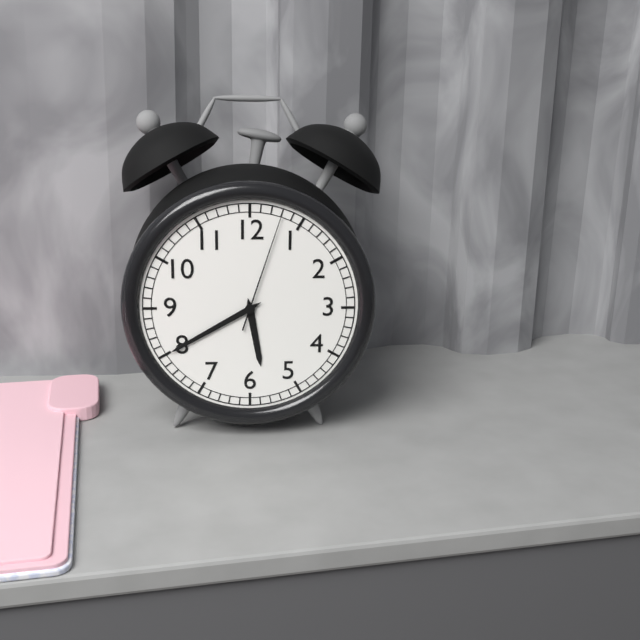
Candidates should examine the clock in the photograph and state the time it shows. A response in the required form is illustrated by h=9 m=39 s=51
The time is h=5 m=40 s=3
